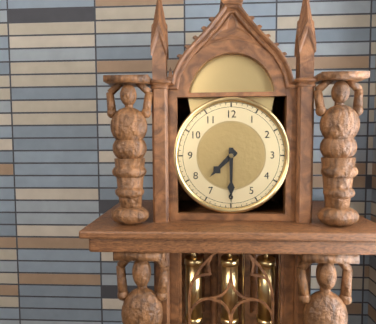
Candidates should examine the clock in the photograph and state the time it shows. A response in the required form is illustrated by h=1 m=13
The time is h=7 m=30
